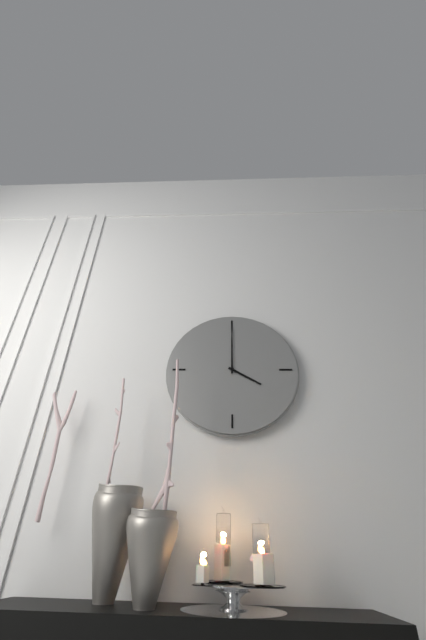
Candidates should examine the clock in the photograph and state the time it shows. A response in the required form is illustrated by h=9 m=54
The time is h=4 m=0
